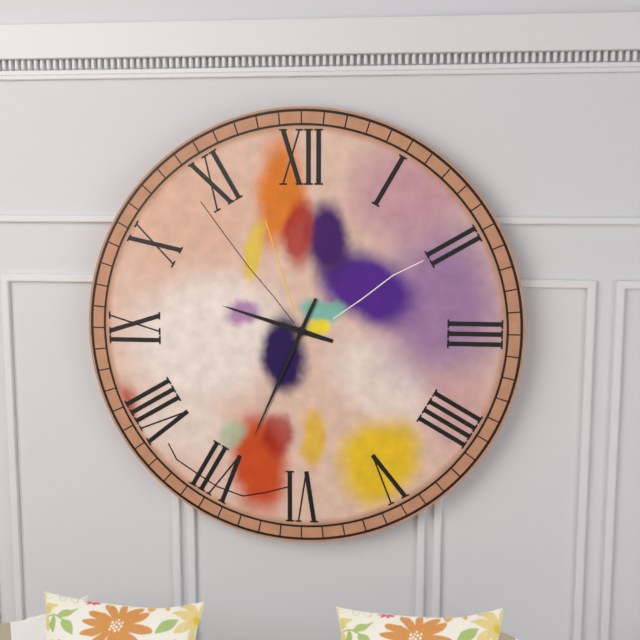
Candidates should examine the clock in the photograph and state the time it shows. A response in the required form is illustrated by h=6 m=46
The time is h=9 m=34
